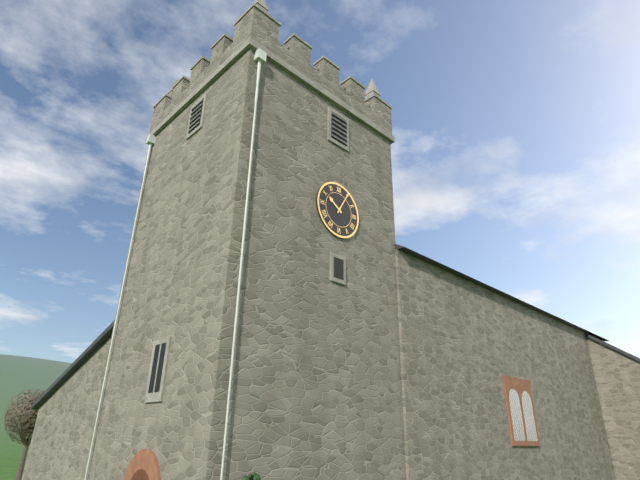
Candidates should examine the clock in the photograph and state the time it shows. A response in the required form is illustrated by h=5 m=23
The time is h=10 m=5
